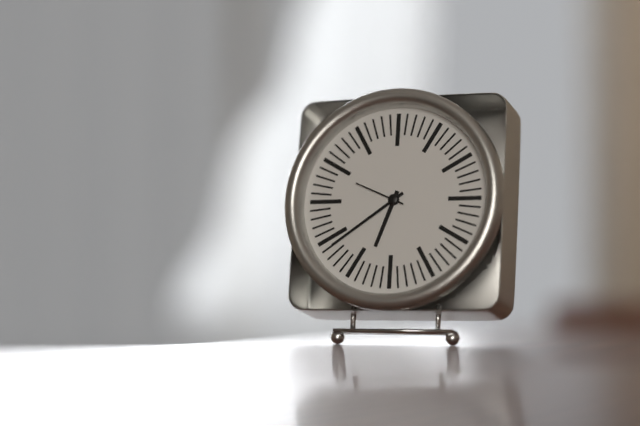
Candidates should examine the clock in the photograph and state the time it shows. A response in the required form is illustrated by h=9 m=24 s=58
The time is h=6 m=39 s=49
